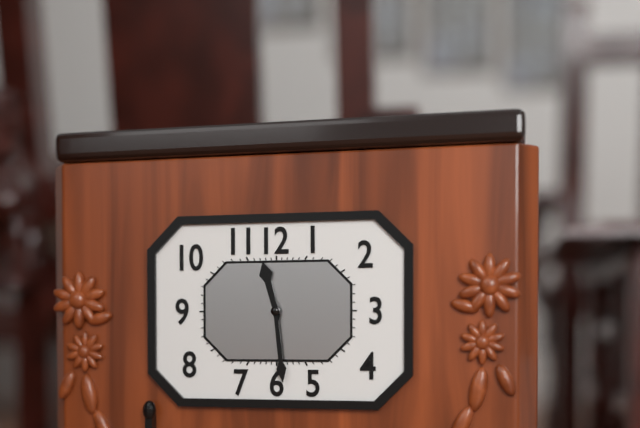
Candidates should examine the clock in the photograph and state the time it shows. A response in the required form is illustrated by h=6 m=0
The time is h=11 m=29
